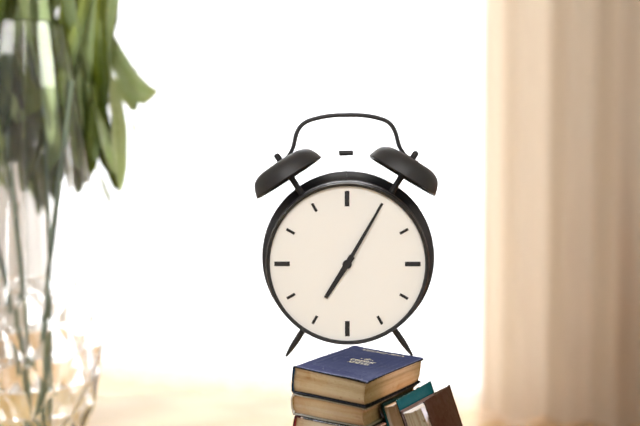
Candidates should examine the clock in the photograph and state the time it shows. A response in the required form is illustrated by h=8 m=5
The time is h=7 m=5
